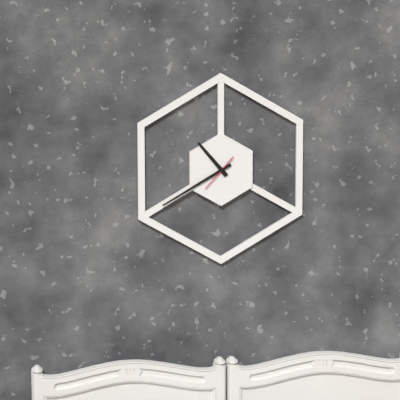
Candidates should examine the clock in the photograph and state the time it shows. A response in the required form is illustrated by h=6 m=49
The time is h=10 m=40
